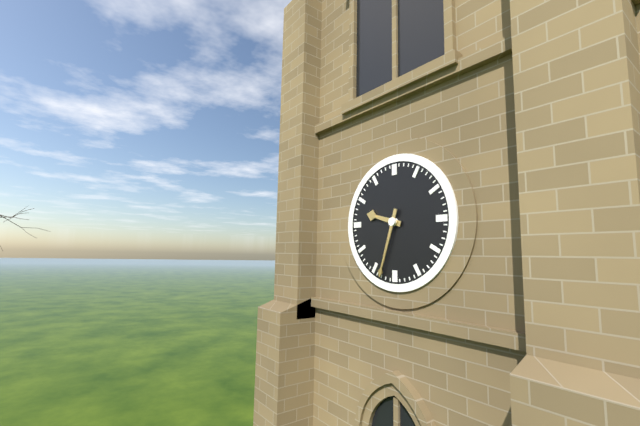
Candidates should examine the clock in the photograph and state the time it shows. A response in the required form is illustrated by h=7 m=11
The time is h=9 m=33
